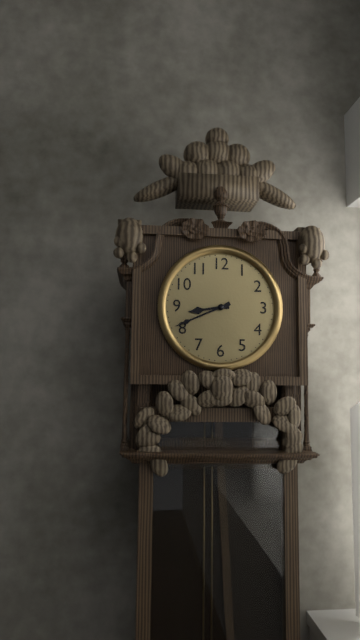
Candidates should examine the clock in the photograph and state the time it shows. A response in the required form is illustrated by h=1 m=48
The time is h=8 m=41
